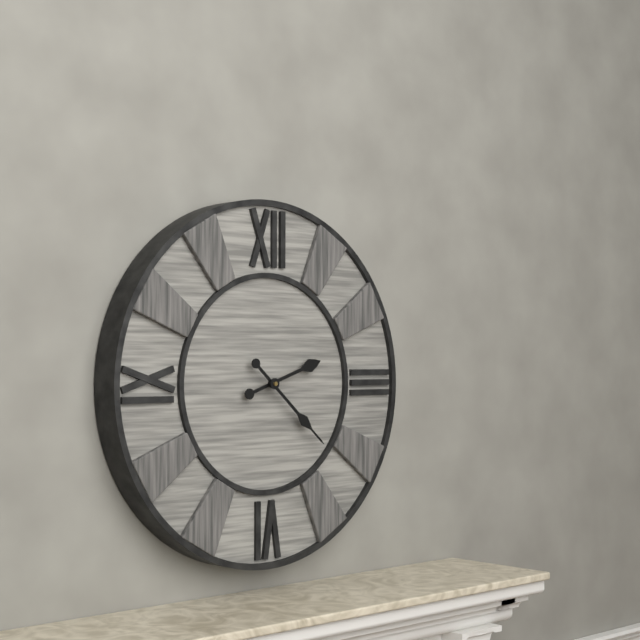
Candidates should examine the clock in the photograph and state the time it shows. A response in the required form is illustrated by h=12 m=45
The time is h=2 m=22
